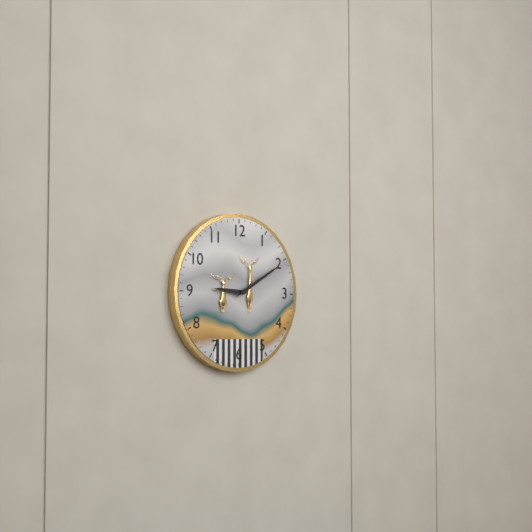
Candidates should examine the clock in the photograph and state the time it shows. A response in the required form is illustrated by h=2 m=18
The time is h=9 m=10
